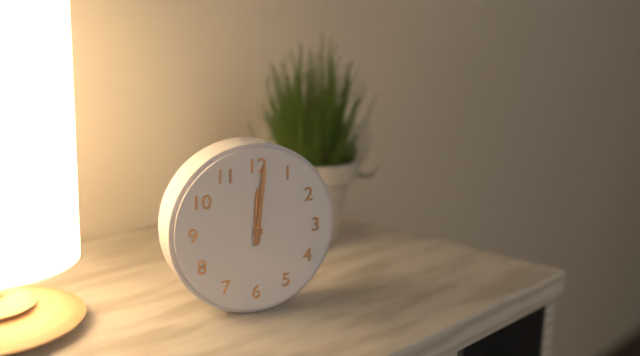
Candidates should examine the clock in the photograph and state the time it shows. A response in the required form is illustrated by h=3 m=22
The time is h=12 m=1
